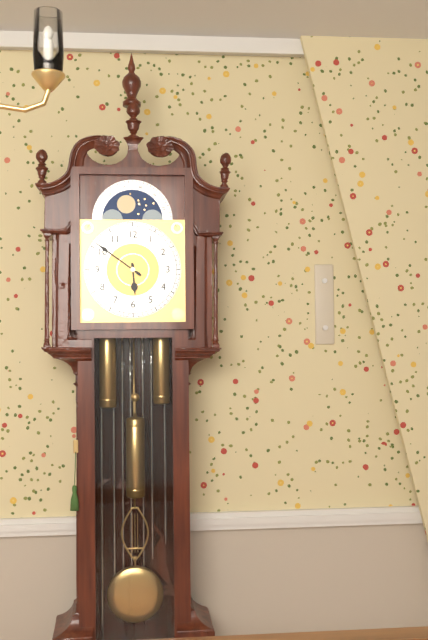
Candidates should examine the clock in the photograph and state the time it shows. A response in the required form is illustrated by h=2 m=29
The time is h=5 m=51
